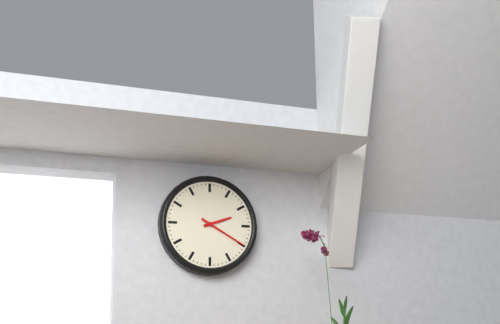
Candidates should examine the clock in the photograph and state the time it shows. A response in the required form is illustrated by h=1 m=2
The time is h=2 m=20
